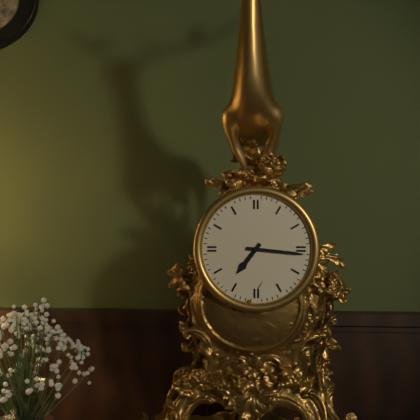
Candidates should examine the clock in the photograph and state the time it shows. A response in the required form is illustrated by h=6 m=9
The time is h=7 m=16
